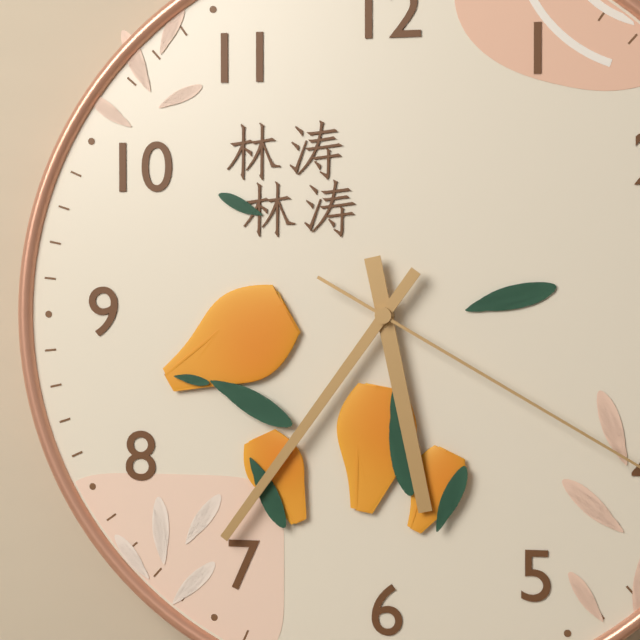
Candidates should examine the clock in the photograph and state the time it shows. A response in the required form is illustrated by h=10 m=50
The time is h=5 m=36
